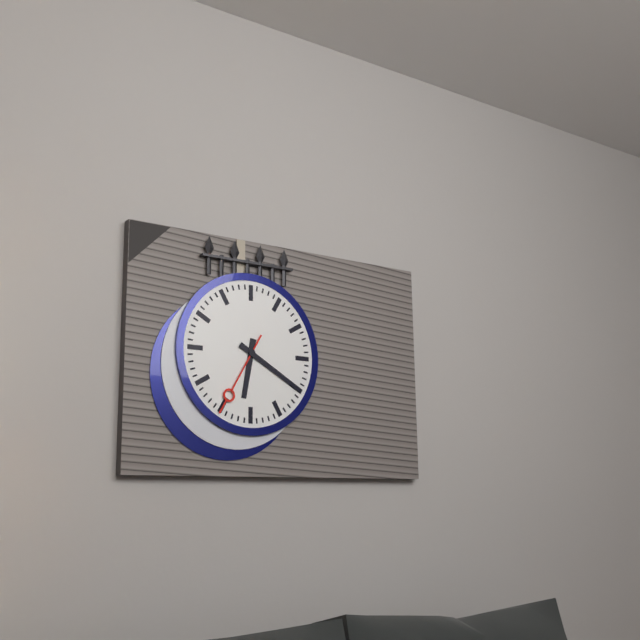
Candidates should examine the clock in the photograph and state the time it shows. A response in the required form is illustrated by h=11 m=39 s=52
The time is h=6 m=20 s=35
